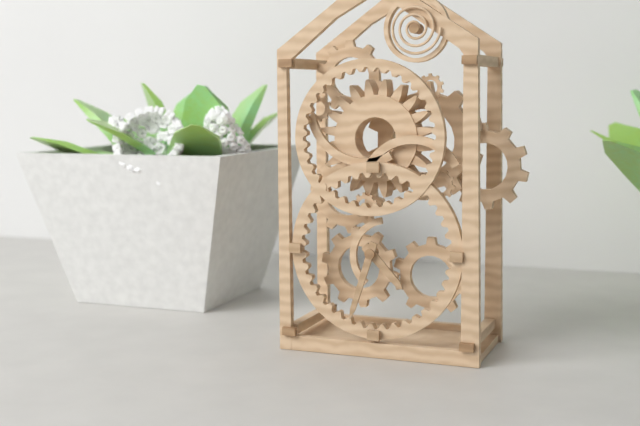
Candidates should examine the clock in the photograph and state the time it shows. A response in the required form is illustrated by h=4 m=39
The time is h=4 m=33
